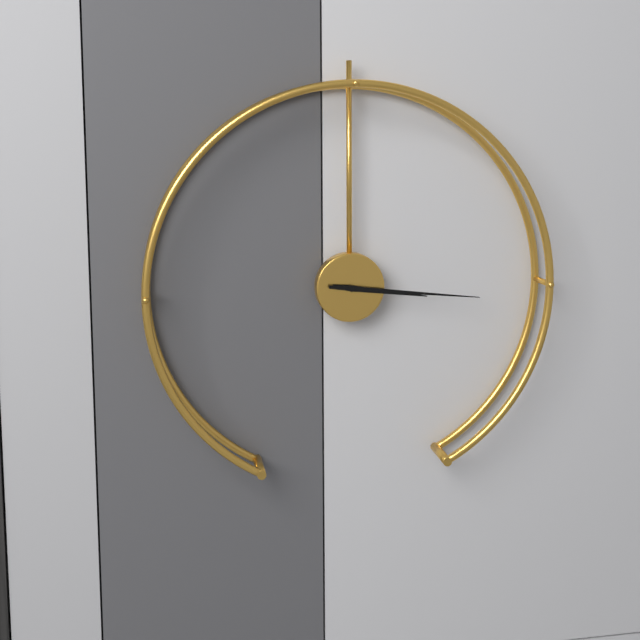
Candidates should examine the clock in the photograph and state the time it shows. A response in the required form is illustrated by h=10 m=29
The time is h=3 m=16
